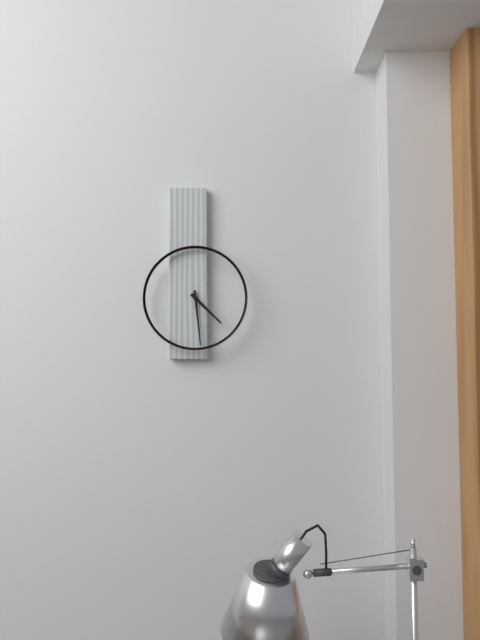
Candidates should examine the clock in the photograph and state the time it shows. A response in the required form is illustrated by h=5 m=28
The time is h=4 m=29
